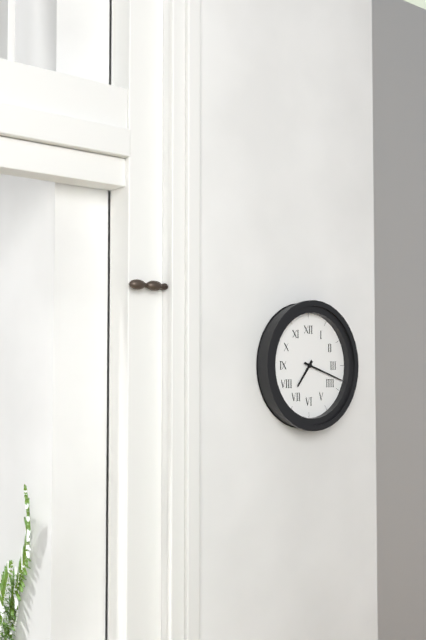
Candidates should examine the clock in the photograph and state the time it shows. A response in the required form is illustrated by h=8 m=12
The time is h=7 m=18
